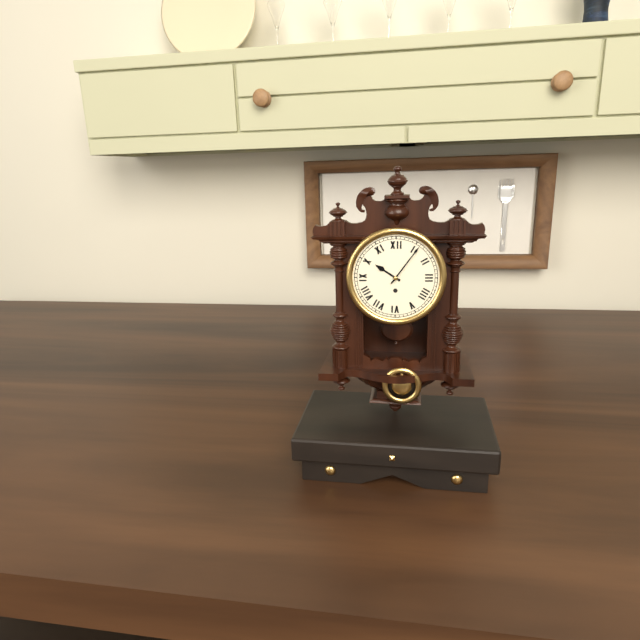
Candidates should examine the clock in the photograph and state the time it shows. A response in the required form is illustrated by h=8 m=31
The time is h=10 m=6
